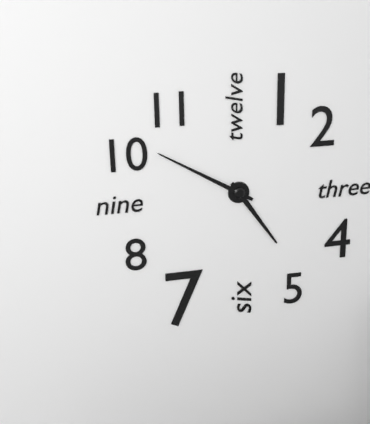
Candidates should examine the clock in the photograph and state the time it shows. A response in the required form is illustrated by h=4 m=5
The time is h=4 m=50
